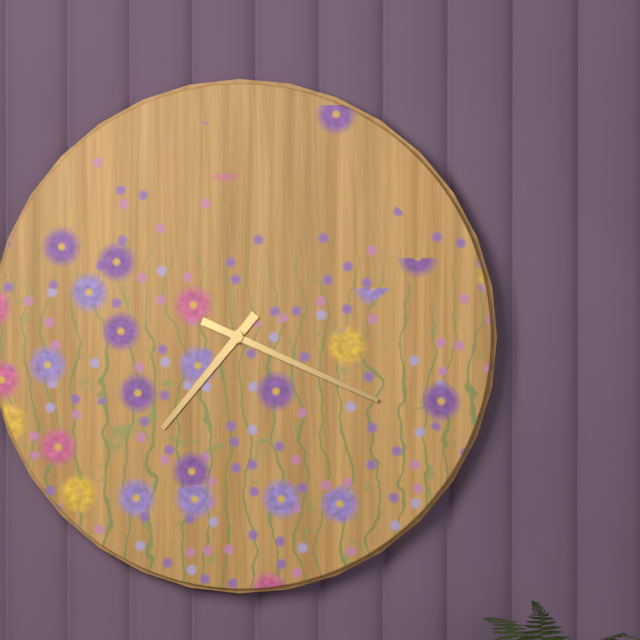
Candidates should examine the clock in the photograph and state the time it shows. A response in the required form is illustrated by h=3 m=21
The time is h=7 m=19
